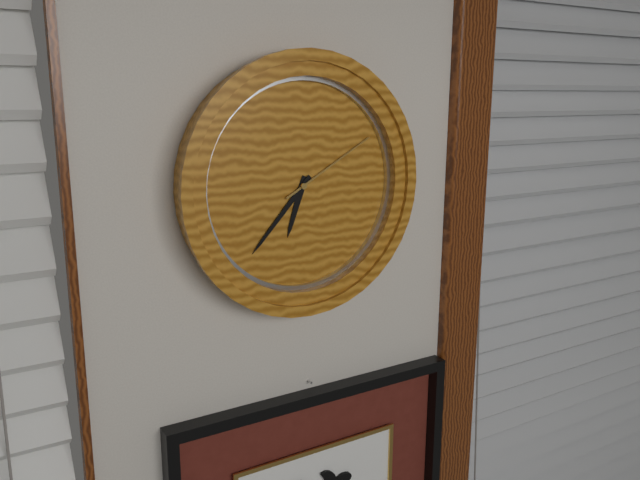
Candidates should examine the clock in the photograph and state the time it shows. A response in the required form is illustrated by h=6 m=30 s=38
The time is h=6 m=37 s=10
